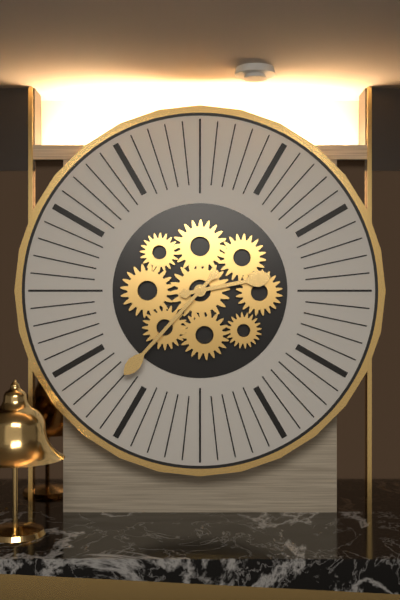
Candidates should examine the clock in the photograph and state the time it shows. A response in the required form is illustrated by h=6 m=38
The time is h=2 m=37
